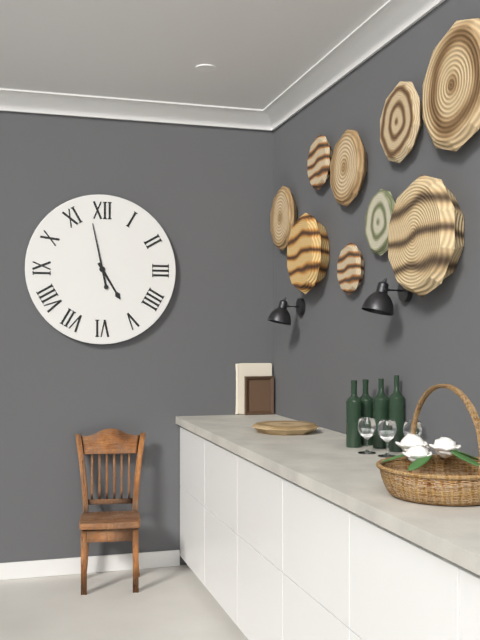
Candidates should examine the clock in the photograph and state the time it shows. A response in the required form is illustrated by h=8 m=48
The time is h=4 m=58
